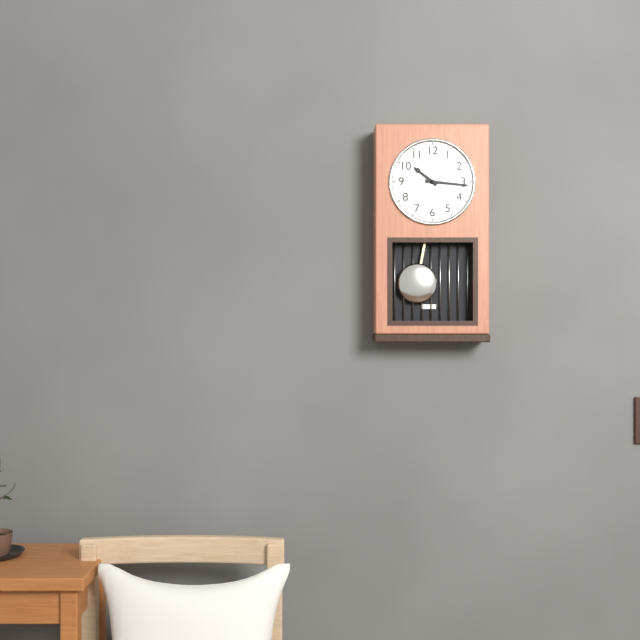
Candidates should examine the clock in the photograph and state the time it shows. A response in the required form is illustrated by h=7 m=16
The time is h=10 m=16
